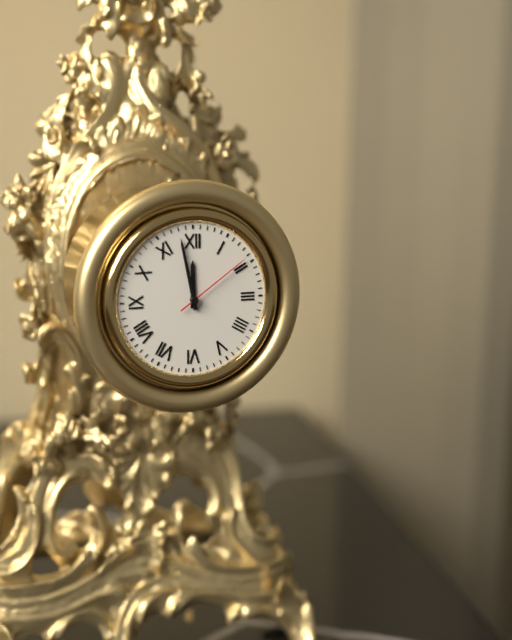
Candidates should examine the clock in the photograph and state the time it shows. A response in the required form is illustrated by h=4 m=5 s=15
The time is h=11 m=58 s=9
